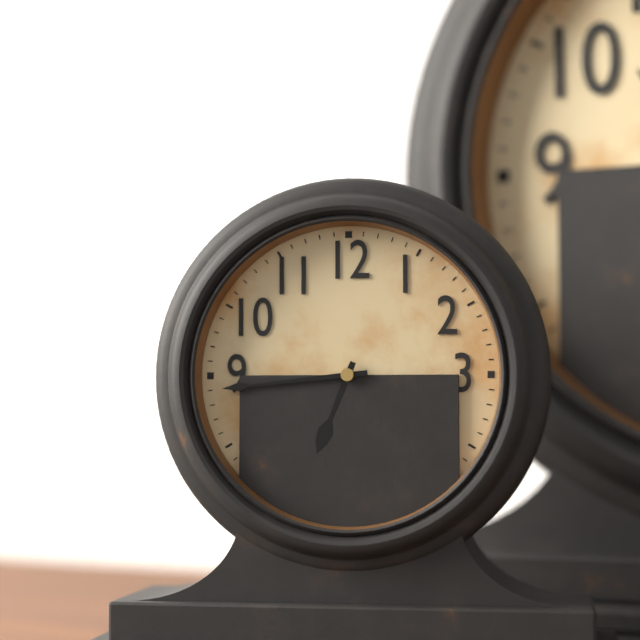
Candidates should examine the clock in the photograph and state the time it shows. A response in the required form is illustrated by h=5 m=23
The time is h=6 m=44
